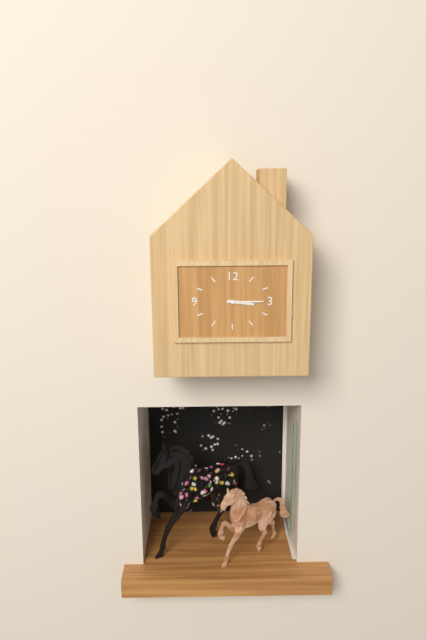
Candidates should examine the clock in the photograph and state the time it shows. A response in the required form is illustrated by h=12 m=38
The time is h=3 m=15
